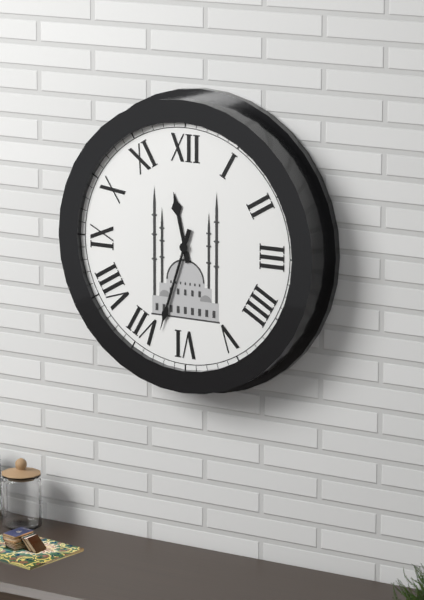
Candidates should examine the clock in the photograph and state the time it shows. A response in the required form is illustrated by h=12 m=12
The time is h=11 m=33
